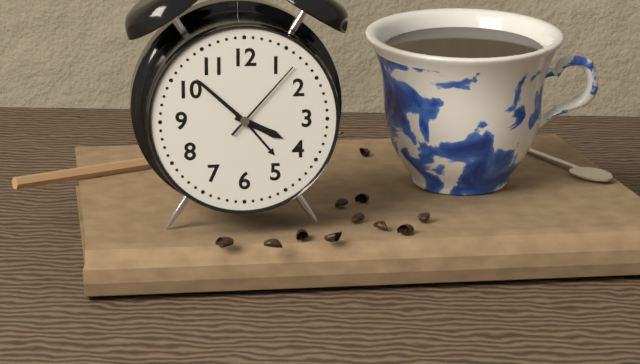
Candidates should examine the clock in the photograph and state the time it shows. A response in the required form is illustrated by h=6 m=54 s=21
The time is h=3 m=52 s=7
